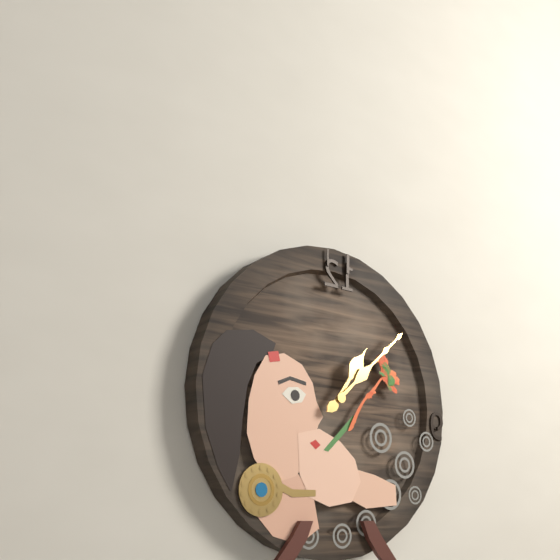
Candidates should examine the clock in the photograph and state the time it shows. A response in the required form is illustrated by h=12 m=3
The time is h=1 m=8
